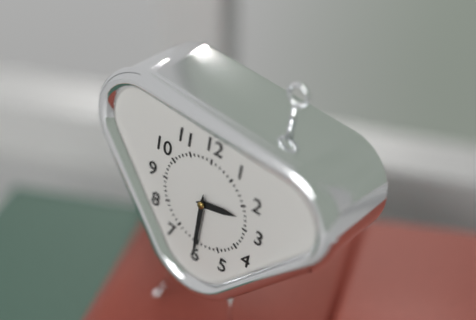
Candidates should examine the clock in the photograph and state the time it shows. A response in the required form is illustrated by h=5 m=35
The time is h=2 m=30
